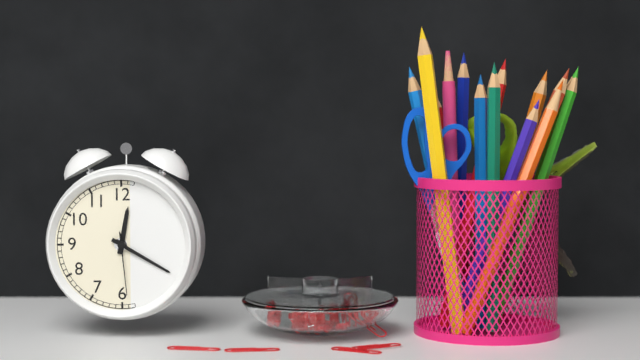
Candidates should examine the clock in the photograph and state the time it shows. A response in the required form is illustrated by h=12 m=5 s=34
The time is h=12 m=20 s=29
